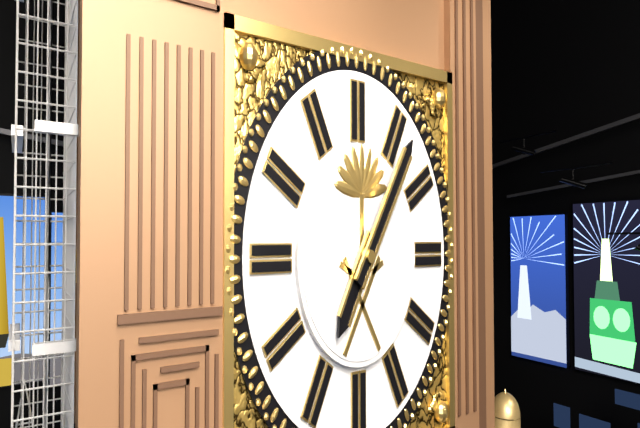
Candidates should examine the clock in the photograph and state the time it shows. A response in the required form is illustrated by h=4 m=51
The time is h=7 m=6
